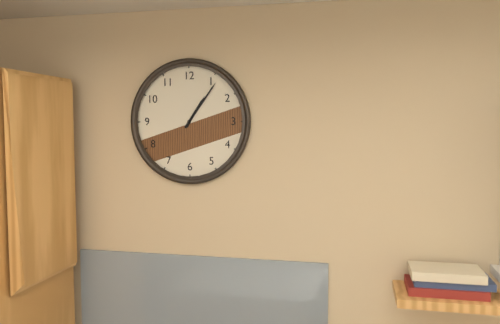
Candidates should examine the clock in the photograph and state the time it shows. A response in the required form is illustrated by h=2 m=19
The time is h=1 m=6
